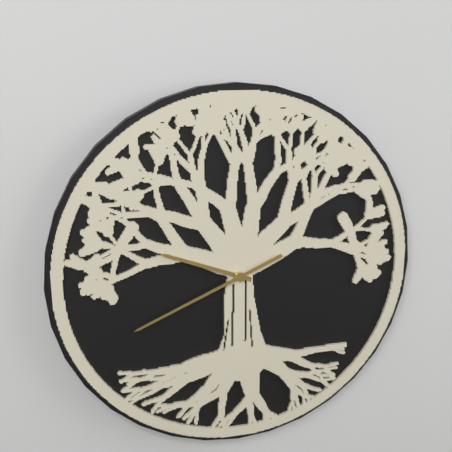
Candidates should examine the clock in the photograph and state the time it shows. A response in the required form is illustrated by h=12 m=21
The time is h=9 m=41
